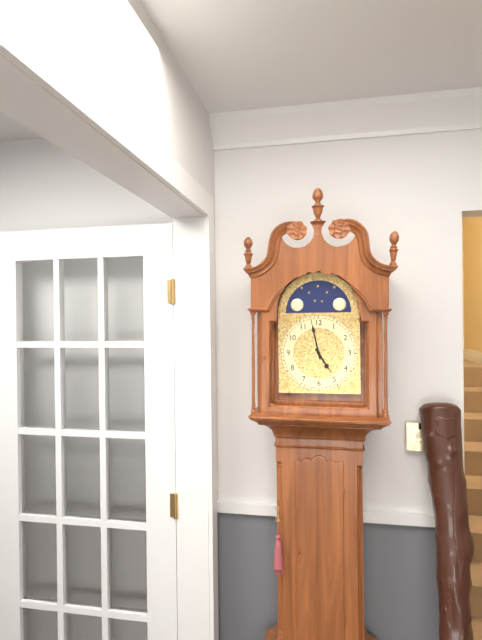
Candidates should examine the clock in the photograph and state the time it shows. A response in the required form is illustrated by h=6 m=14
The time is h=4 m=58
